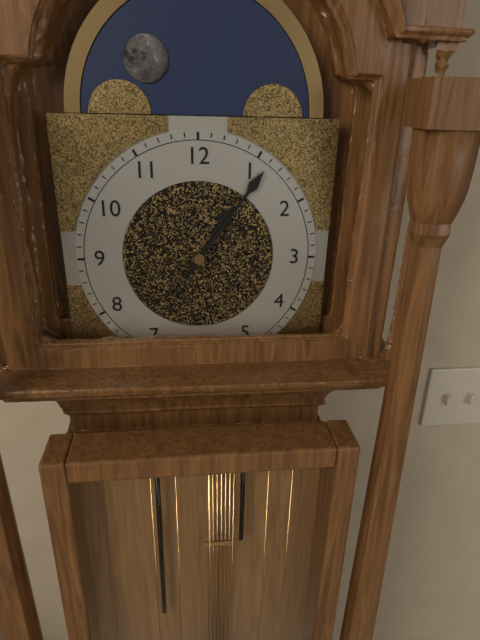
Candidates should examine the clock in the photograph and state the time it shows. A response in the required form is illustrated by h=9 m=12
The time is h=1 m=6
